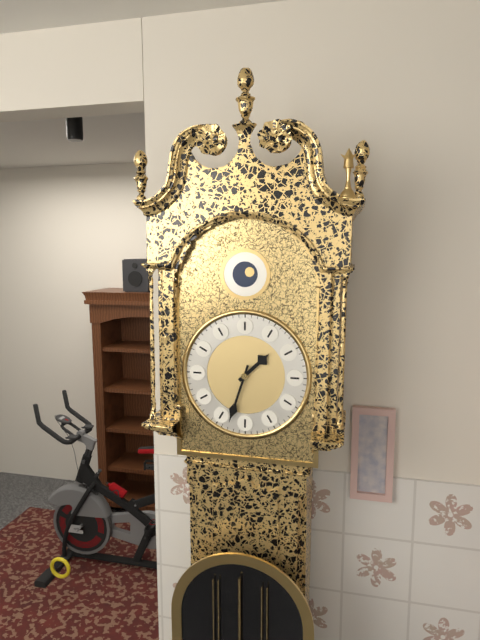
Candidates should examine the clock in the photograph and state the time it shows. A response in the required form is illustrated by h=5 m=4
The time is h=1 m=33
